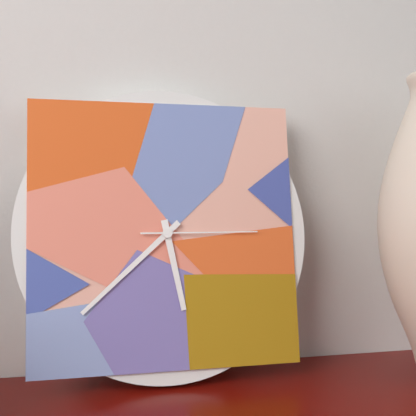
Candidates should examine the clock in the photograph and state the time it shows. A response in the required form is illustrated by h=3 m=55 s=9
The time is h=5 m=38 s=15
